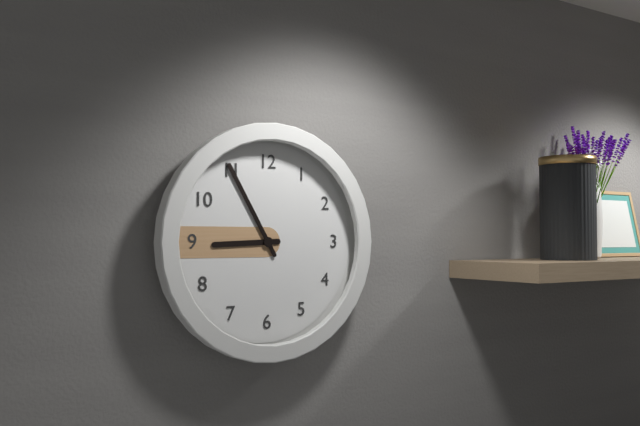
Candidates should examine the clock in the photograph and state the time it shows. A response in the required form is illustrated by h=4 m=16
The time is h=8 m=55
